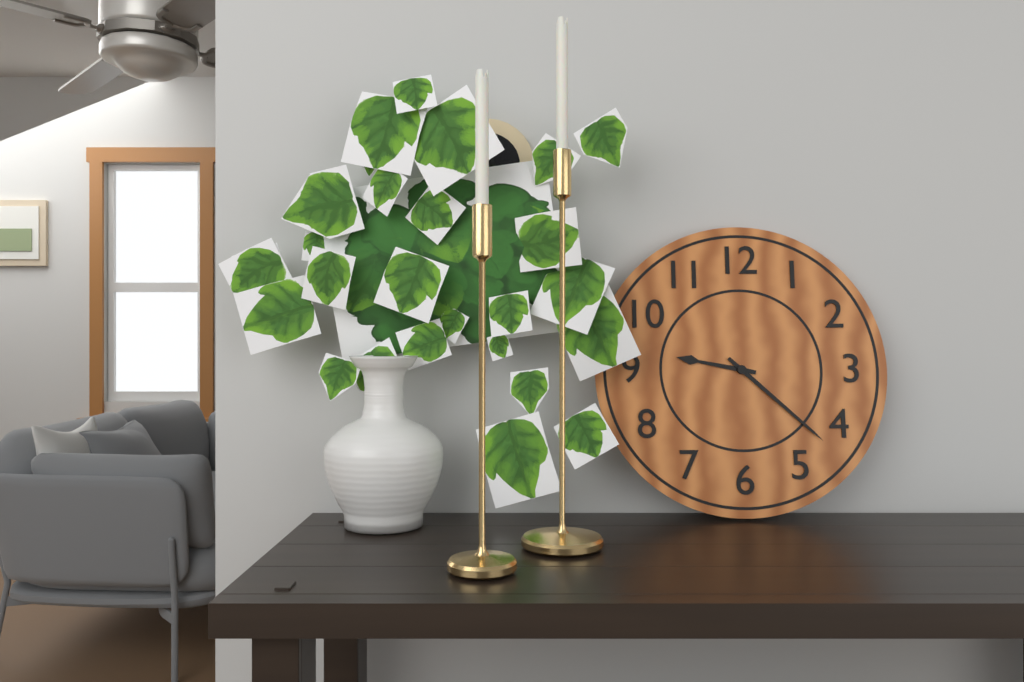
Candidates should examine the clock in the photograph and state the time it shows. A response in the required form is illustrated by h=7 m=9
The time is h=9 m=22
